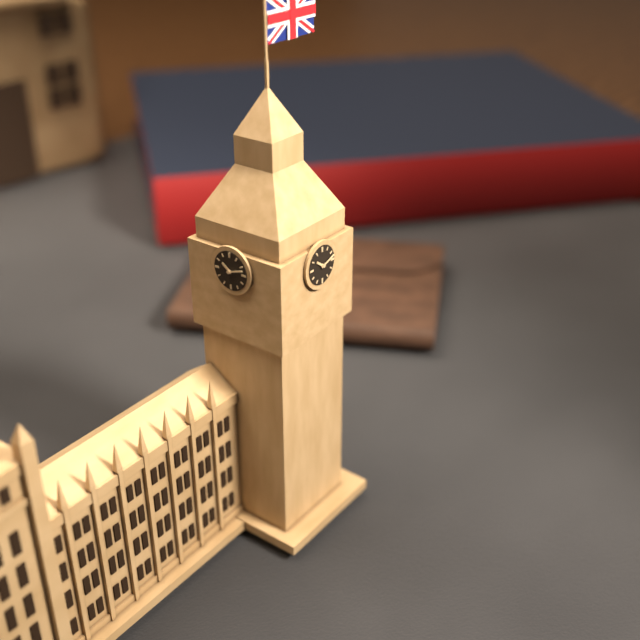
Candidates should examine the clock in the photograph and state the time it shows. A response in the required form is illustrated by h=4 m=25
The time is h=10 m=12
